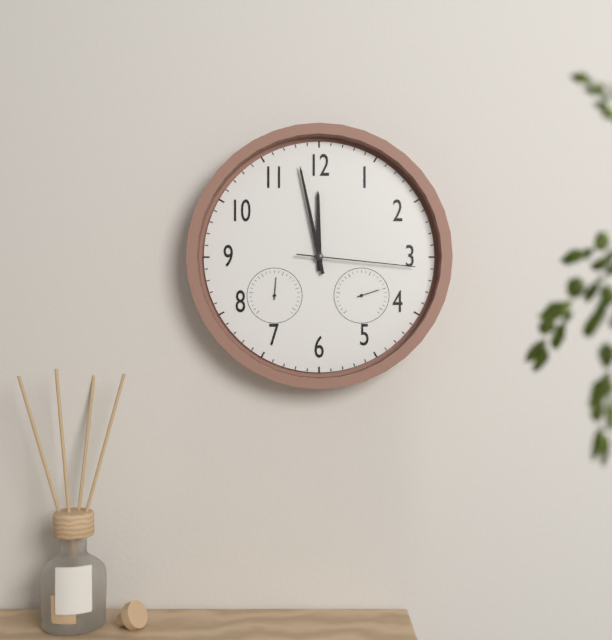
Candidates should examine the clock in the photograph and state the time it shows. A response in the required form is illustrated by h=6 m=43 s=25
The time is h=11 m=58 s=16
